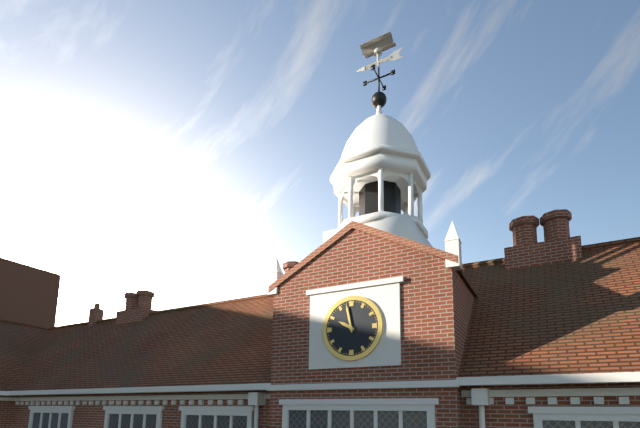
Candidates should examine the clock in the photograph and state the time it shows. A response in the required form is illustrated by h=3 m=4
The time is h=9 m=58
